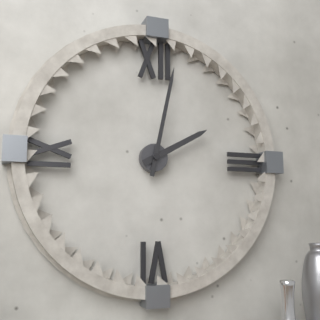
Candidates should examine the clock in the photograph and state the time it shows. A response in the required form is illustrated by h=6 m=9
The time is h=2 m=2
